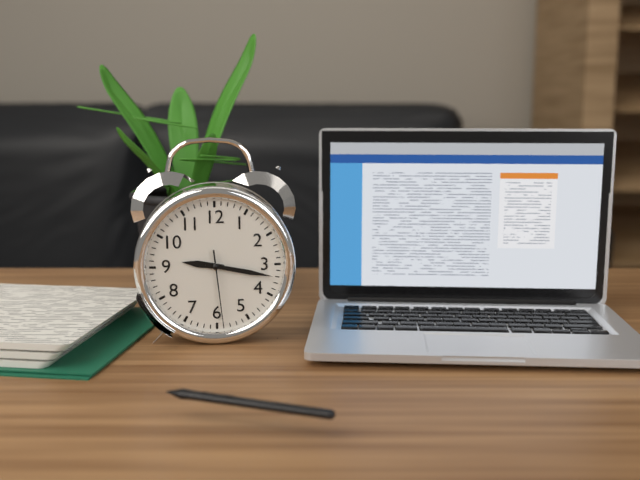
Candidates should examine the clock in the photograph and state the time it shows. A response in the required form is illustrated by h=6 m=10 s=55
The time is h=9 m=17 s=29
